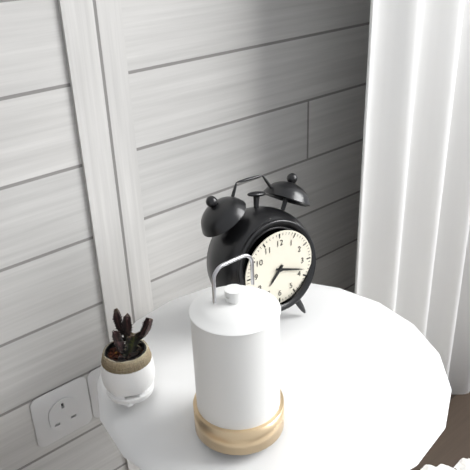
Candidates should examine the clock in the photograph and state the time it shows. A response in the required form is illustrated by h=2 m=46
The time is h=7 m=18
